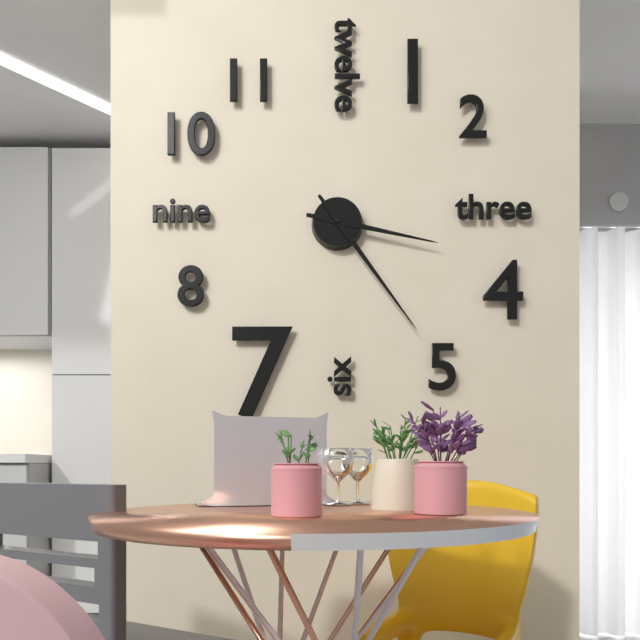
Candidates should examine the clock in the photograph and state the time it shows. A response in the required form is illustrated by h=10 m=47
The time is h=3 m=24
